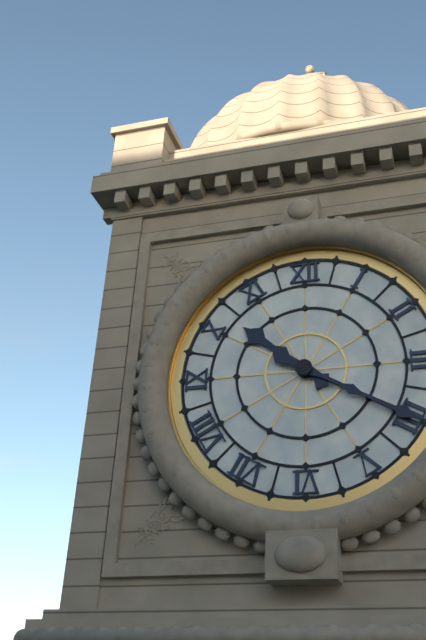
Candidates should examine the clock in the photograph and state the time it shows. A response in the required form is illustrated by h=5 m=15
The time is h=10 m=20
